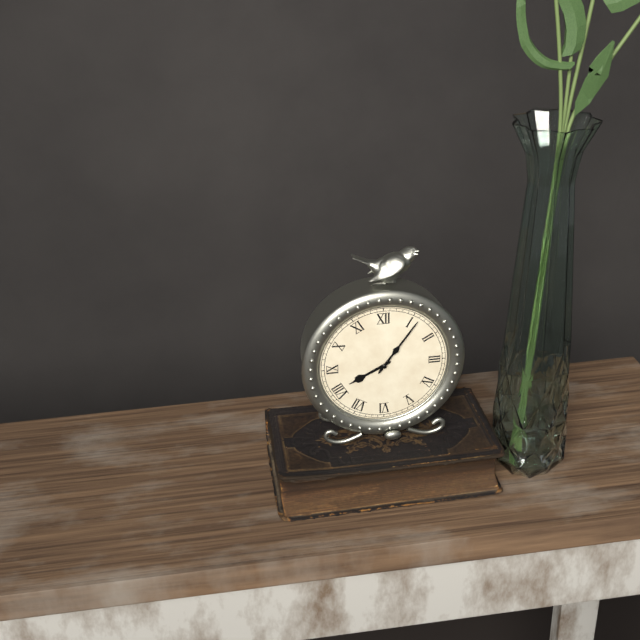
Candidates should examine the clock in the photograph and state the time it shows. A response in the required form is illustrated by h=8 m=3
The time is h=8 m=6
